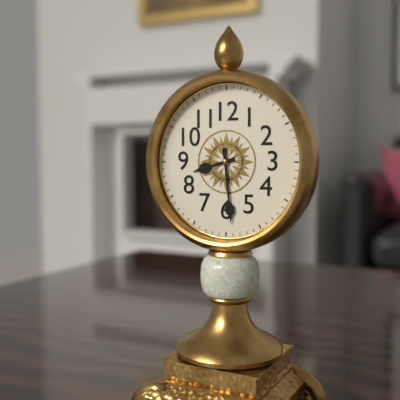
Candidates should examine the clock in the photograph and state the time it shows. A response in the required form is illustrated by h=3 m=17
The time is h=8 m=29
